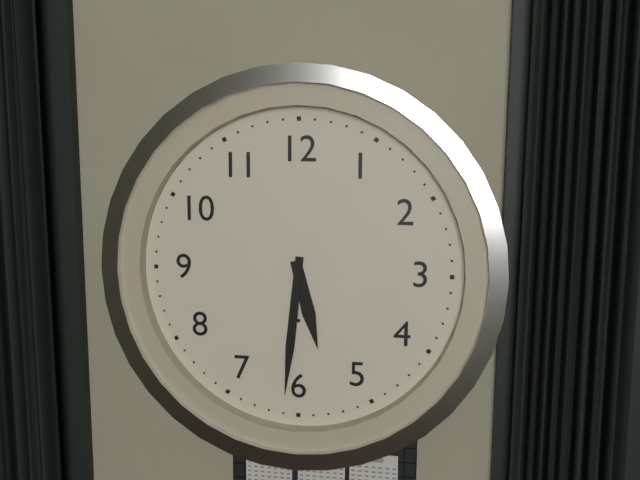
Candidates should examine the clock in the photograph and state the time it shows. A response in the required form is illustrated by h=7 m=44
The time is h=5 m=31
